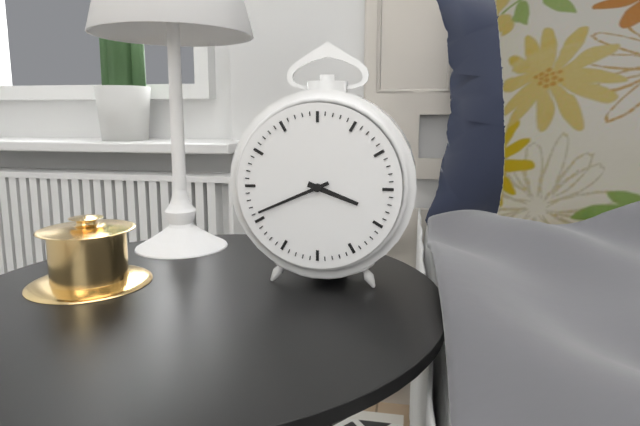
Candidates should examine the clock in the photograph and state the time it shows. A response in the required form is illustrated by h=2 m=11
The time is h=3 m=41
